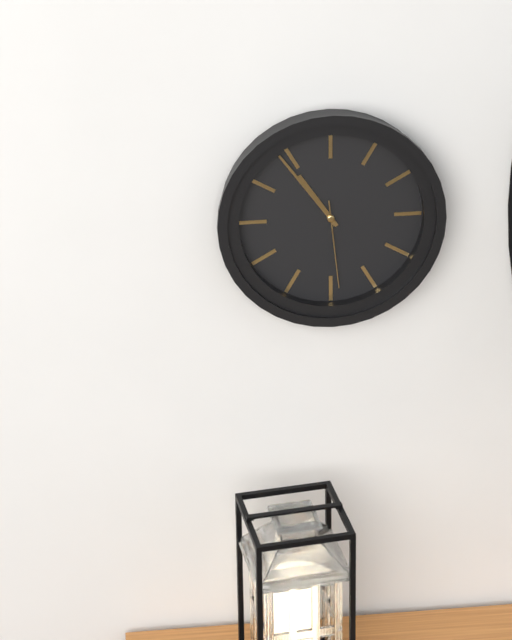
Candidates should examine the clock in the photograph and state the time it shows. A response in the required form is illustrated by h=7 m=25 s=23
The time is h=10 m=54 s=29
